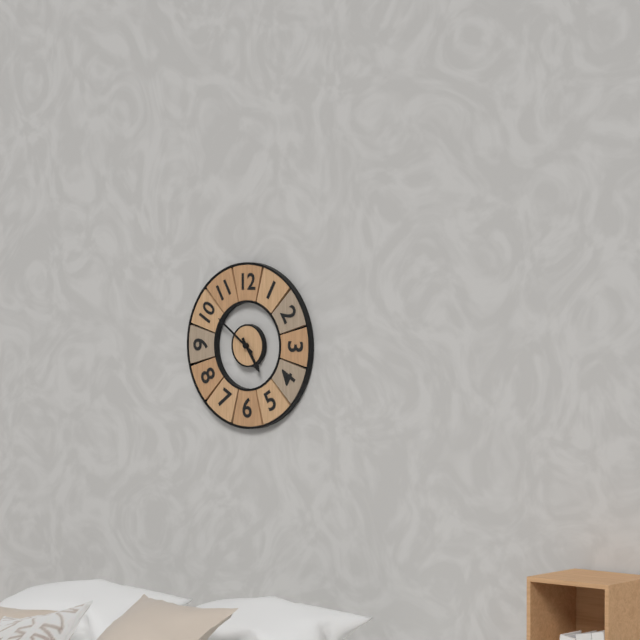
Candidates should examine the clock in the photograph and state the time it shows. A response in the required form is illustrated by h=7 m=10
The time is h=4 m=51
